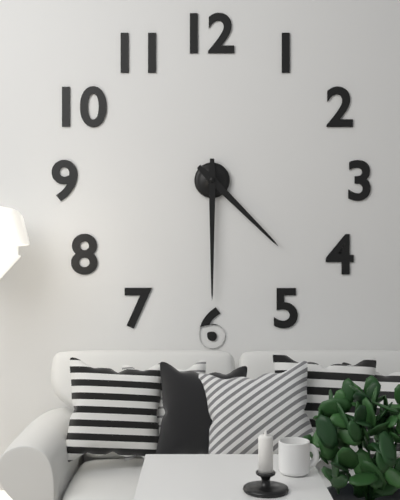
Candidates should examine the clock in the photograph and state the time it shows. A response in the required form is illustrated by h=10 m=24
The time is h=4 m=30
